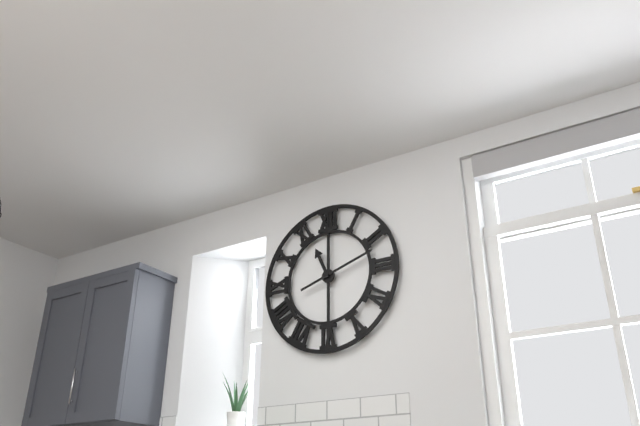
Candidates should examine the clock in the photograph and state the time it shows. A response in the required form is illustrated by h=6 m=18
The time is h=11 m=12
